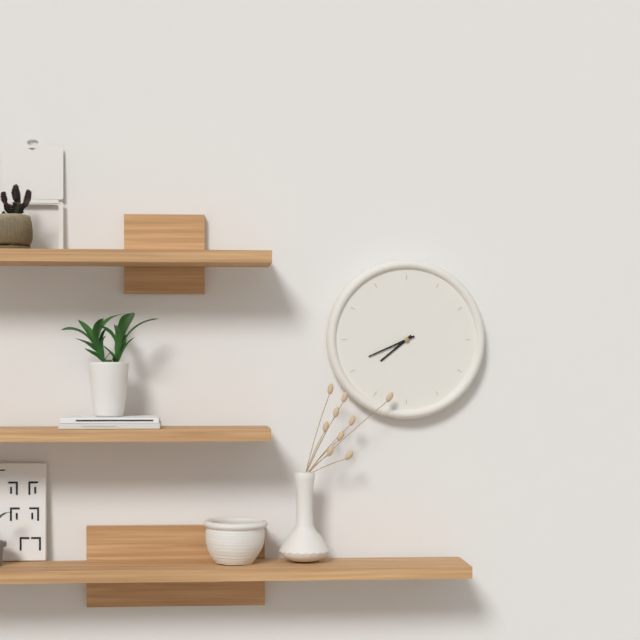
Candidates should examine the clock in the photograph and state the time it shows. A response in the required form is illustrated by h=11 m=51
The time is h=7 m=41
